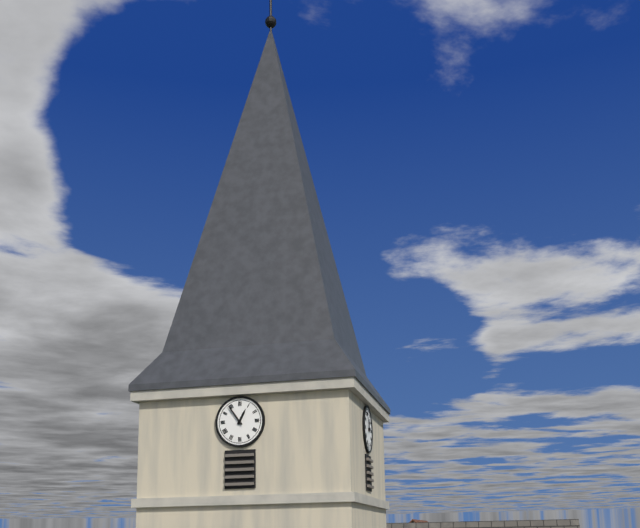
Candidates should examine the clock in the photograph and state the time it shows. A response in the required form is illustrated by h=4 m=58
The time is h=12 m=54
